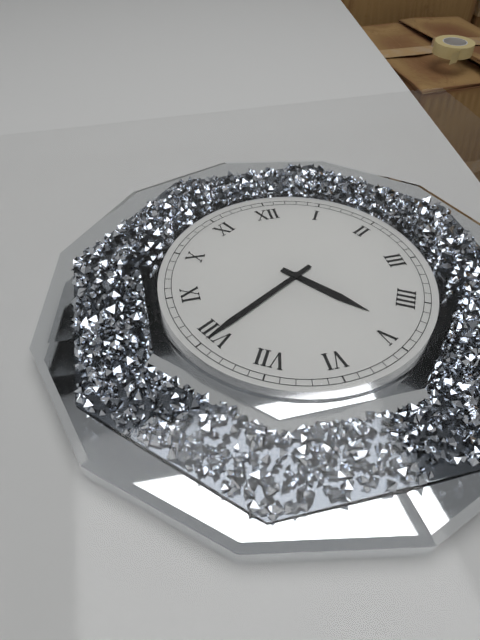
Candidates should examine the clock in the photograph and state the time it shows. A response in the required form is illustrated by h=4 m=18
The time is h=4 m=40
